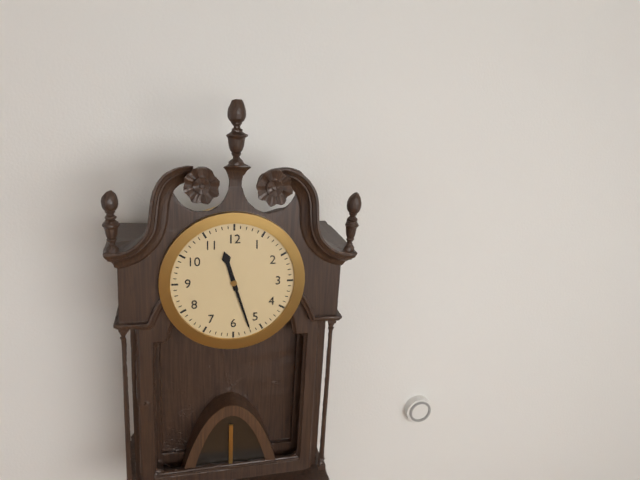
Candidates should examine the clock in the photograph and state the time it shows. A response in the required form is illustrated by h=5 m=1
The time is h=11 m=27
